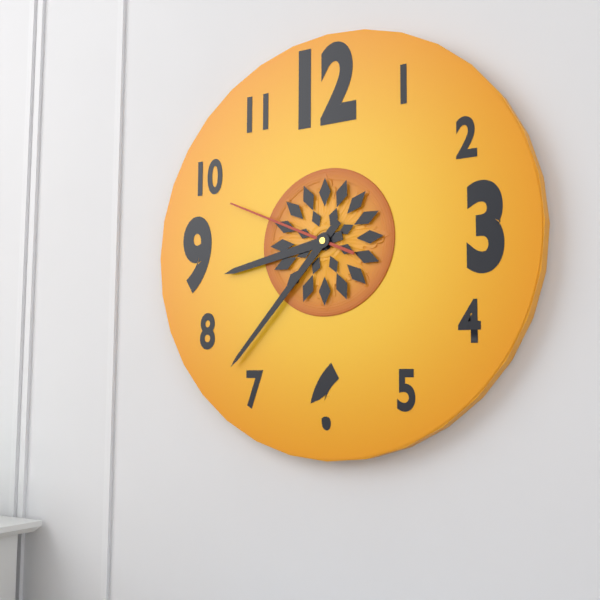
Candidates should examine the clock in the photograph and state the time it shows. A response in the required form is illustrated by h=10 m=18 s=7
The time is h=8 m=37 s=49
